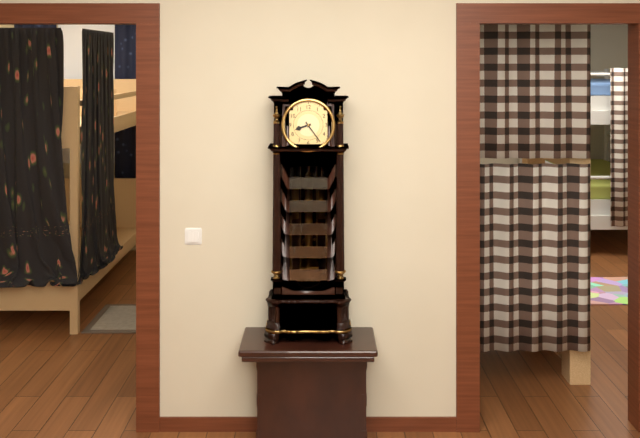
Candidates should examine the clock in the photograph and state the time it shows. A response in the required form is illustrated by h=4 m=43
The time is h=8 m=24
